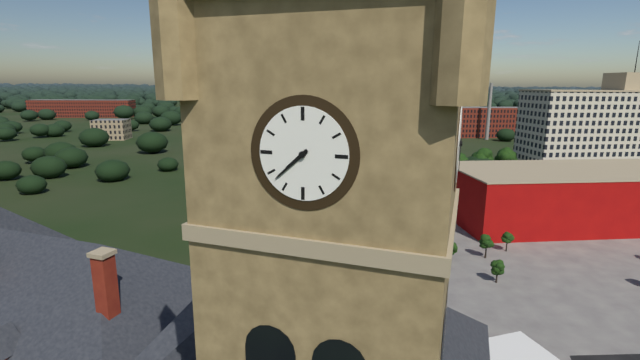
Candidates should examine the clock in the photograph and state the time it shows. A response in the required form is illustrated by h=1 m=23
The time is h=7 m=38
